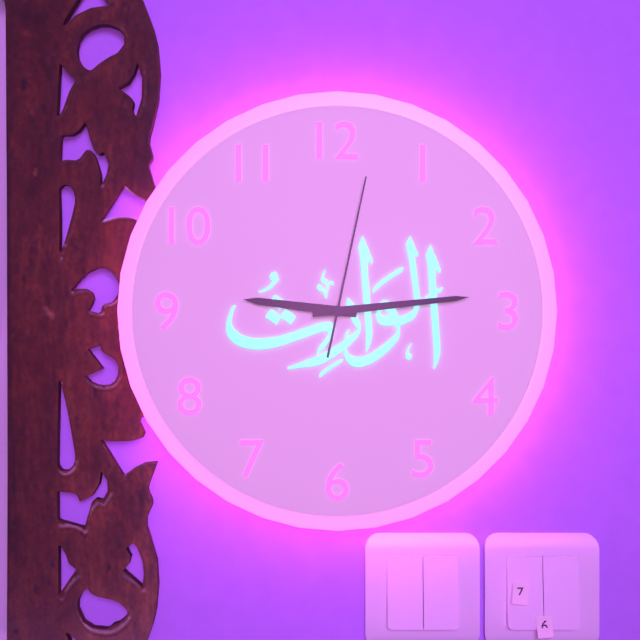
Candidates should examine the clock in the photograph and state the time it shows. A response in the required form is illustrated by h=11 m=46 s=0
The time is h=9 m=14 s=2
